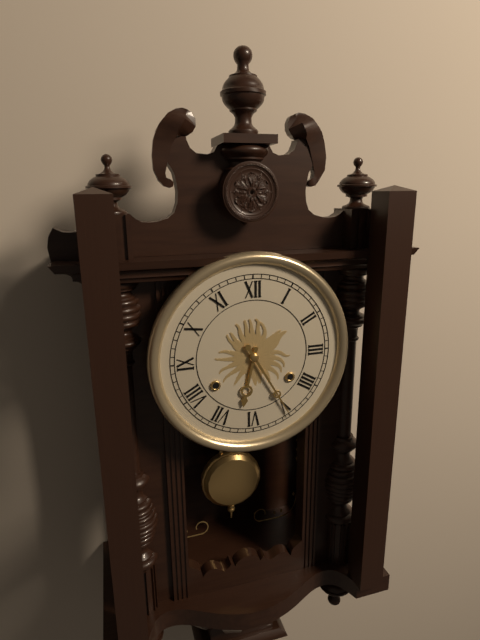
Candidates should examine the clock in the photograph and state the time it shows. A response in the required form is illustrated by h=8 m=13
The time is h=6 m=25
